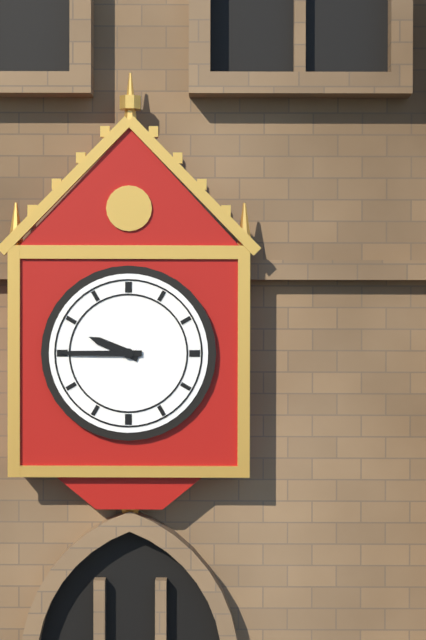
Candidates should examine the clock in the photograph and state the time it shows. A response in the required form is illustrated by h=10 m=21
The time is h=9 m=45
